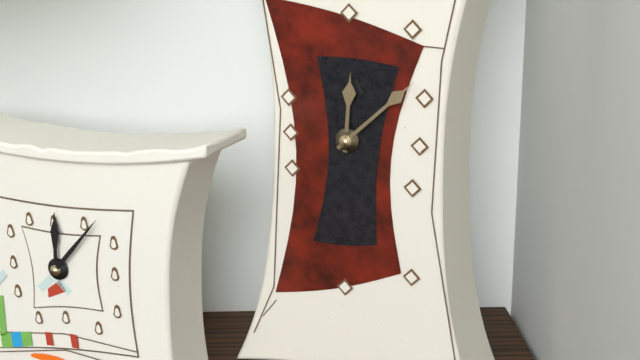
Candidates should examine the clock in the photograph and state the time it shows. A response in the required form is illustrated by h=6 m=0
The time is h=12 m=8
